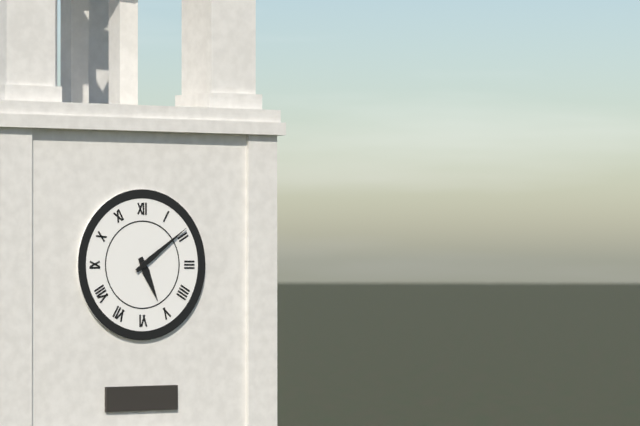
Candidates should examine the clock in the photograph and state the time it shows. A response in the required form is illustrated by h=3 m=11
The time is h=5 m=9
